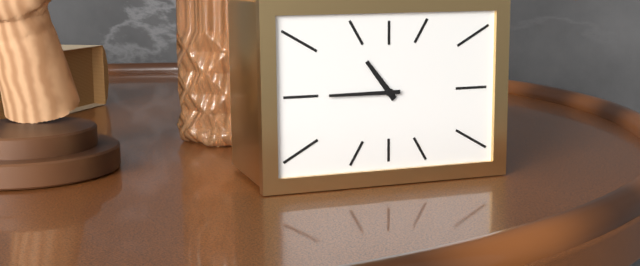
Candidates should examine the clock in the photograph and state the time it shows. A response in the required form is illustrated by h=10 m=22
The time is h=10 m=45
